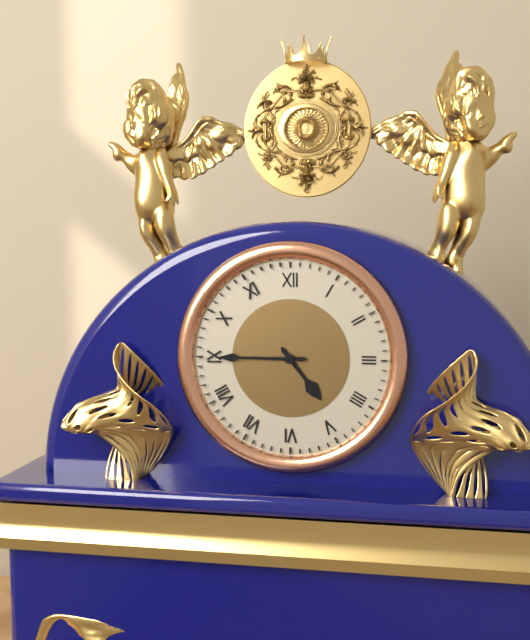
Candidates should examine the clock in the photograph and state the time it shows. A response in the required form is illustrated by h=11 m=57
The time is h=4 m=45
